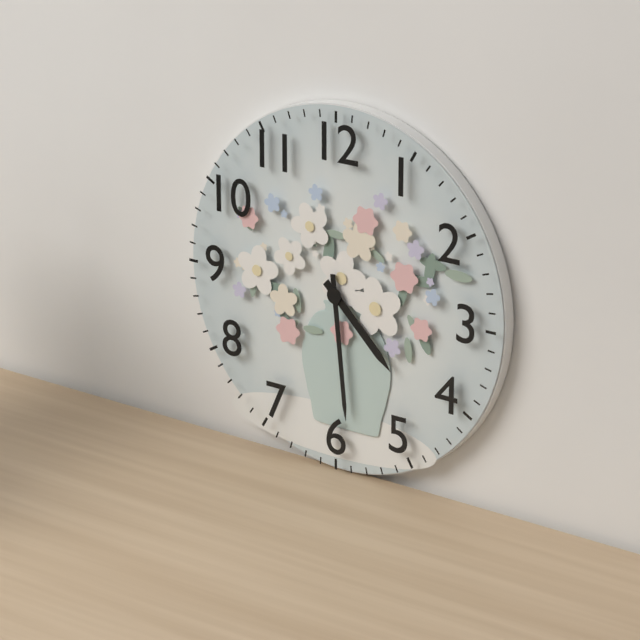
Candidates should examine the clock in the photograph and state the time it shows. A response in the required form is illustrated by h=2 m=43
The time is h=4 m=29
